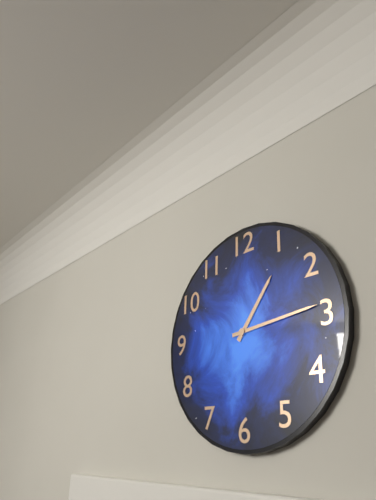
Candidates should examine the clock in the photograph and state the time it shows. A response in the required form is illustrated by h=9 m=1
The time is h=1 m=14
